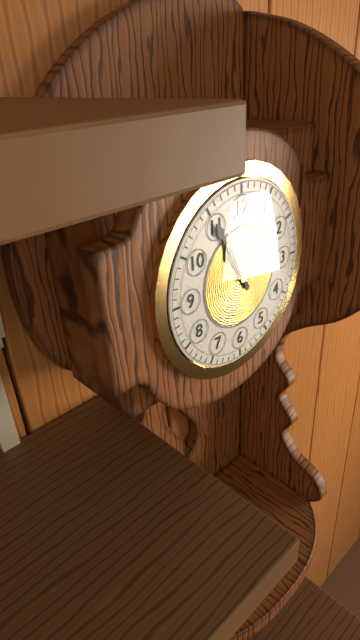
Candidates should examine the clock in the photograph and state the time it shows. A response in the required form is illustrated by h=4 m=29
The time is h=10 m=55
